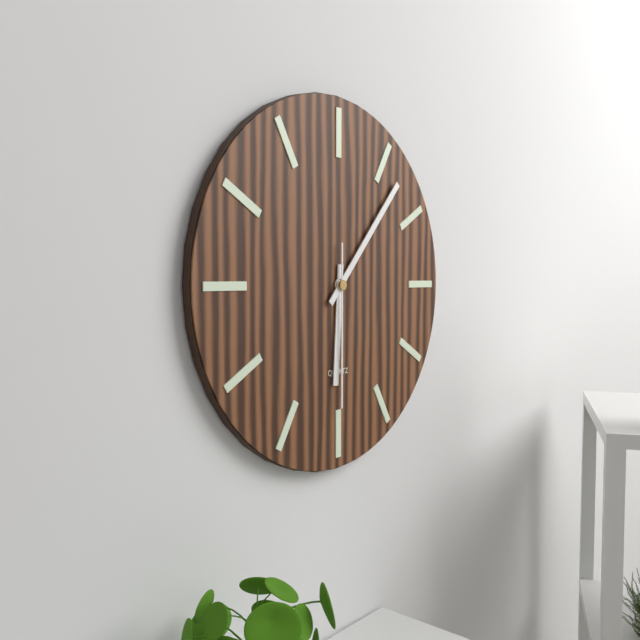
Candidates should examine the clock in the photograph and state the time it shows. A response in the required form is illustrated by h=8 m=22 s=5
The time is h=6 m=7 s=30
